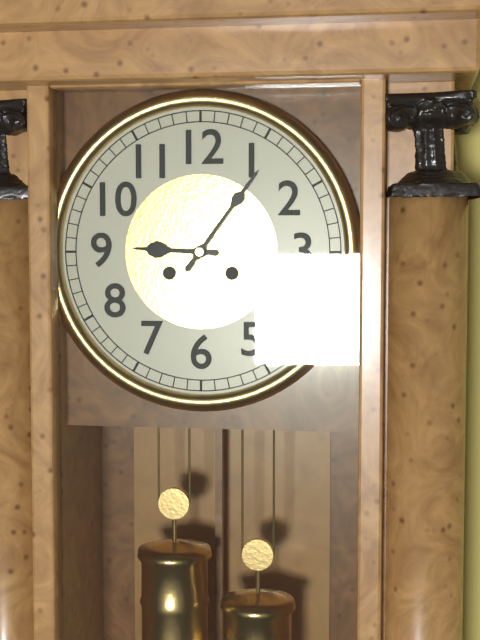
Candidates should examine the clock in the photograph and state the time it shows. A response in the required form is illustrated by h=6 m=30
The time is h=9 m=6
